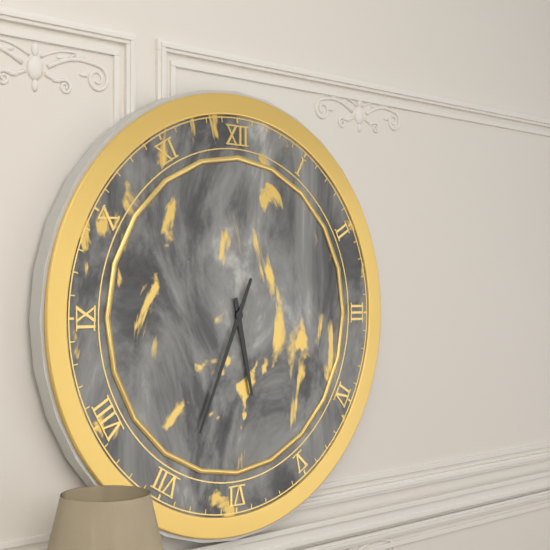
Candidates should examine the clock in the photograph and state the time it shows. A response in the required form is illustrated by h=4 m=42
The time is h=5 m=34
